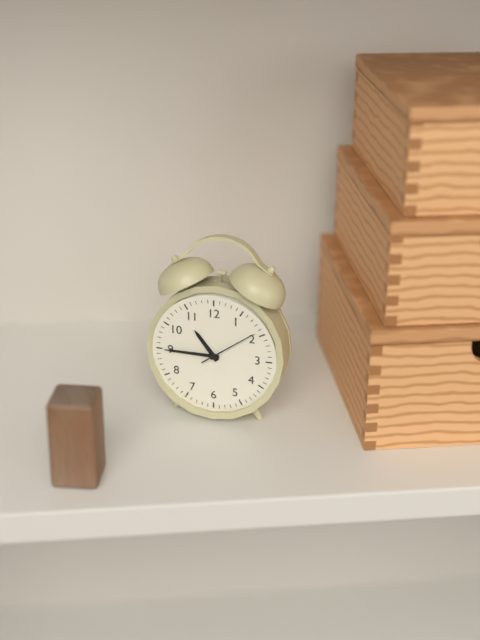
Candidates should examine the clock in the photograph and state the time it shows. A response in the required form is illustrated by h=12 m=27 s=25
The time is h=10 m=45 s=9
